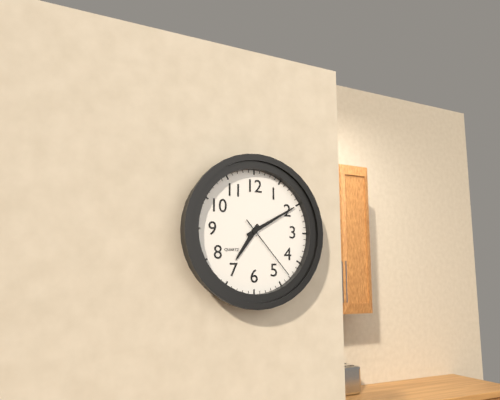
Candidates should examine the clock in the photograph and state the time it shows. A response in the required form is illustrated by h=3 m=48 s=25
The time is h=7 m=10 s=23
